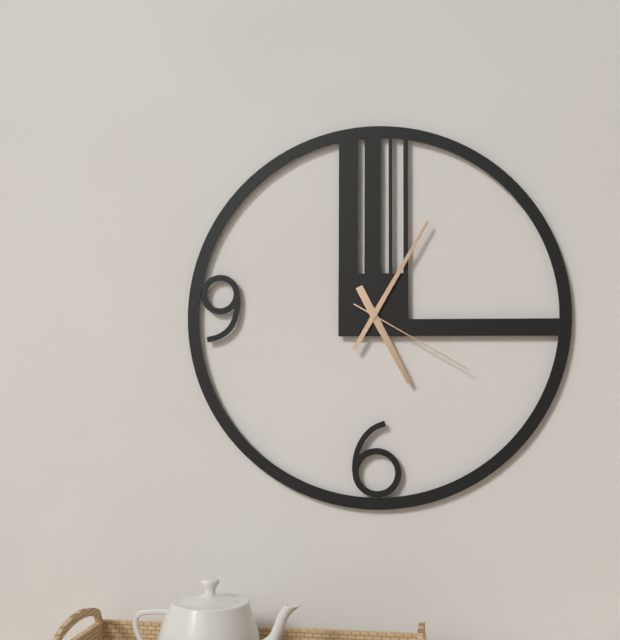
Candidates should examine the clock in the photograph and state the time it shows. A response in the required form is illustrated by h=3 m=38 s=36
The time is h=5 m=5 s=20
